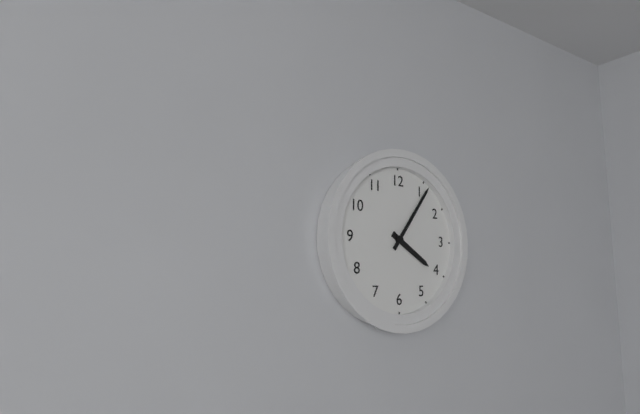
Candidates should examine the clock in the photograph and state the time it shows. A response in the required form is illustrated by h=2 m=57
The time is h=4 m=6
